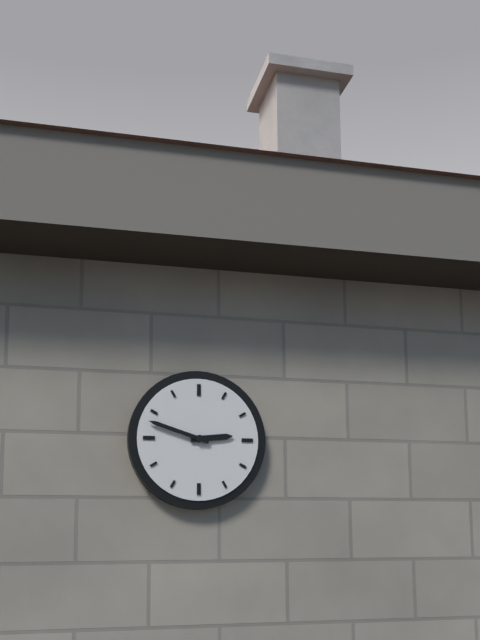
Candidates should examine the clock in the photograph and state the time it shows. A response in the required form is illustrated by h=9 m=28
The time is h=2 m=48
